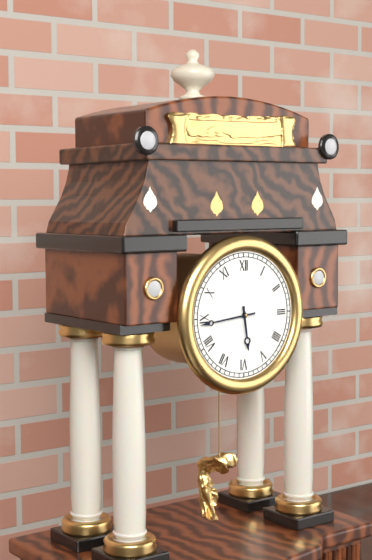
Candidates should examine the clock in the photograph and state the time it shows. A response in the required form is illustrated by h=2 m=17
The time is h=5 m=44
